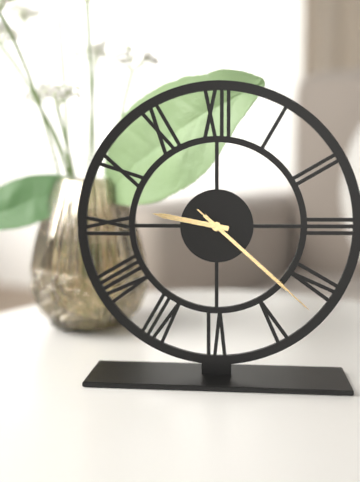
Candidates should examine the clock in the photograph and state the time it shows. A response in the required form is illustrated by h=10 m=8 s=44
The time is h=9 m=22 s=22
